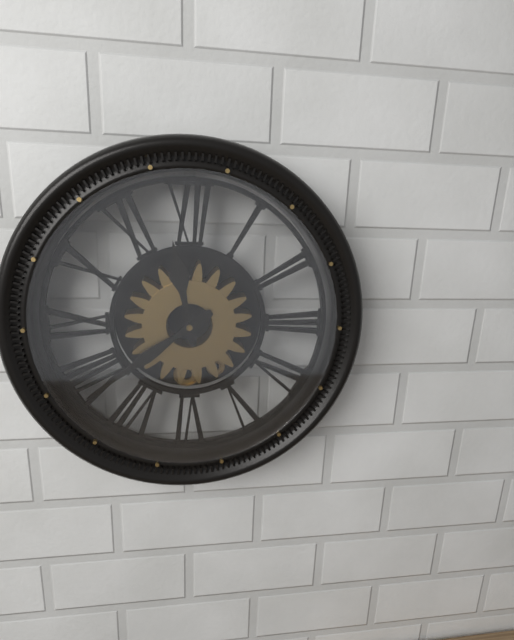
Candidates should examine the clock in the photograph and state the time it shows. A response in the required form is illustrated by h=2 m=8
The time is h=11 m=39
